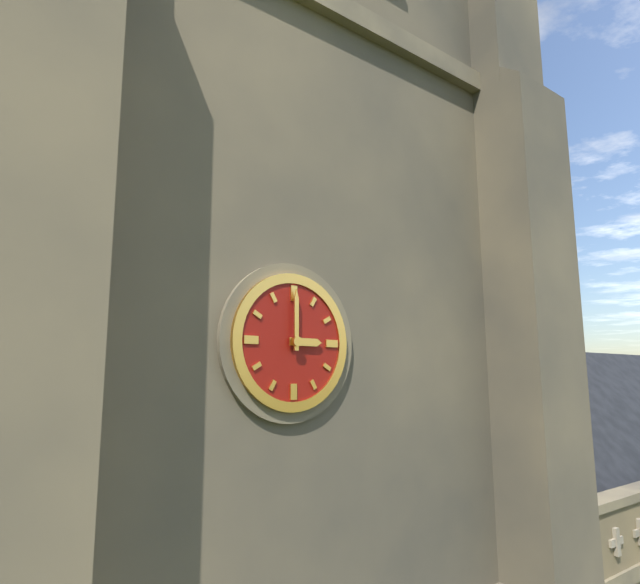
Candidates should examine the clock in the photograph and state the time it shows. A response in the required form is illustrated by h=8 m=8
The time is h=3 m=0
